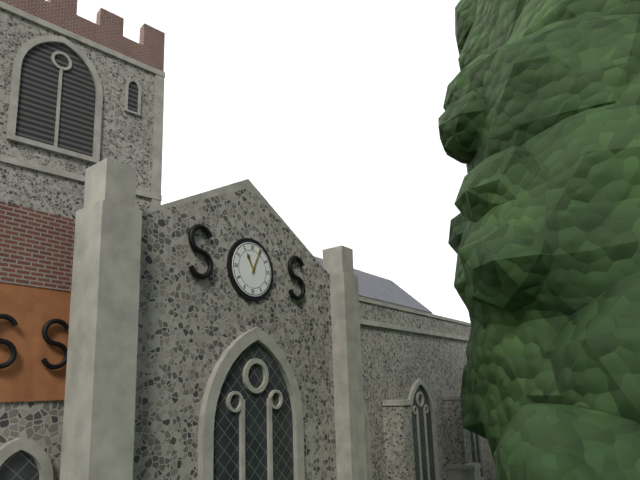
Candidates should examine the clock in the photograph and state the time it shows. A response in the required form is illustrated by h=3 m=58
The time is h=11 m=4
